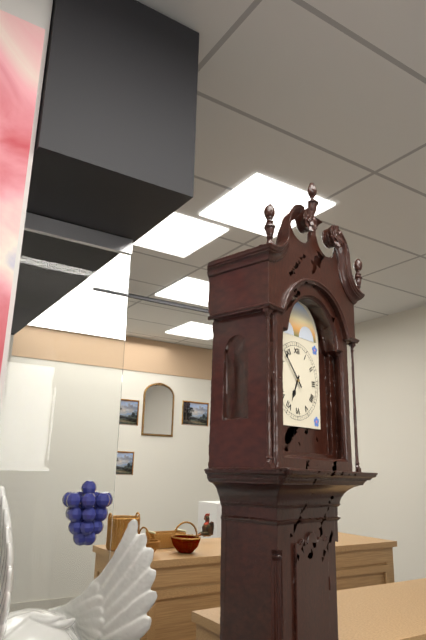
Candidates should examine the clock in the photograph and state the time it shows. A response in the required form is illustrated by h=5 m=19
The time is h=6 m=53
